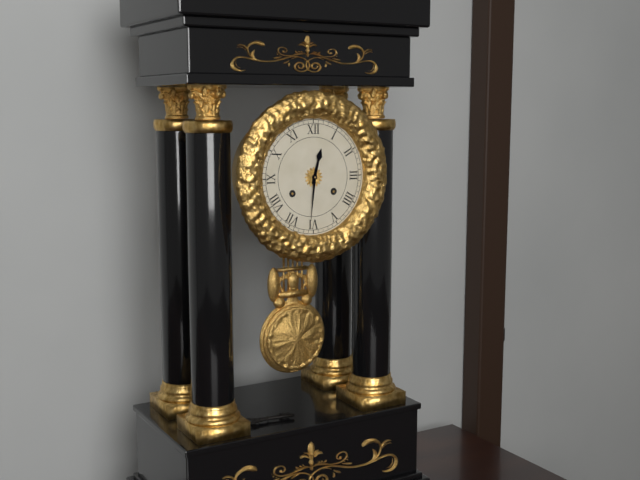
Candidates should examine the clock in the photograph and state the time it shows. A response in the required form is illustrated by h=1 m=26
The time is h=12 m=31
